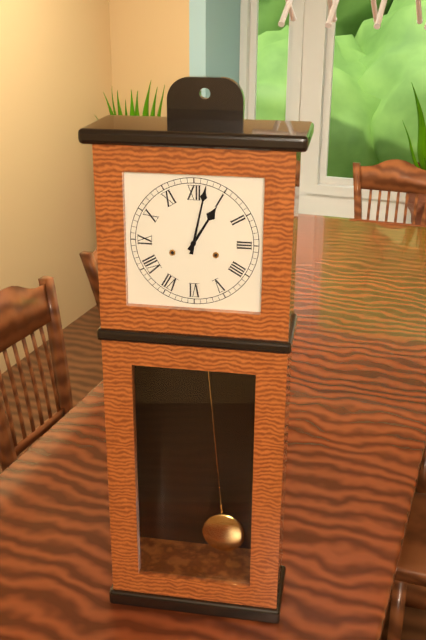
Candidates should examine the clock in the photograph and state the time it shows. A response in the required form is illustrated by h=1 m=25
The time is h=1 m=2
